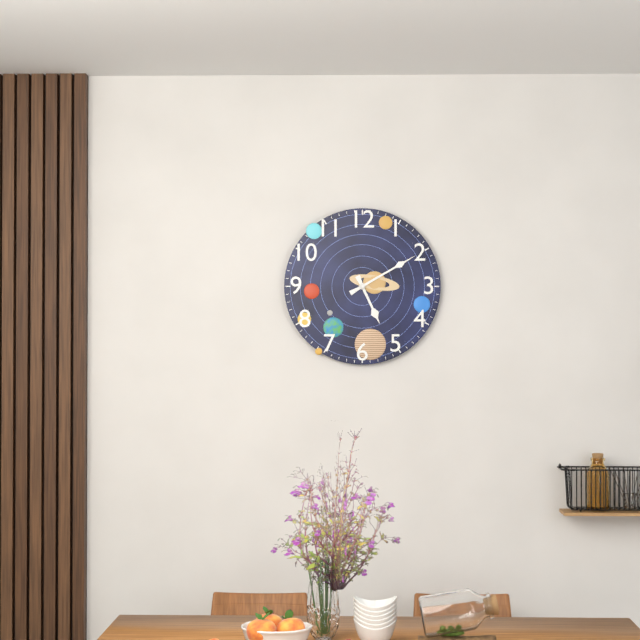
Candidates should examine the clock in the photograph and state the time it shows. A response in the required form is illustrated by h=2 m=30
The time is h=5 m=10
